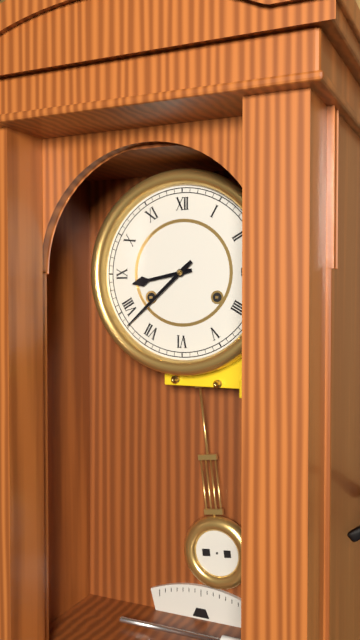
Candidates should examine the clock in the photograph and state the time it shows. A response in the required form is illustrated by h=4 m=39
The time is h=8 m=38
